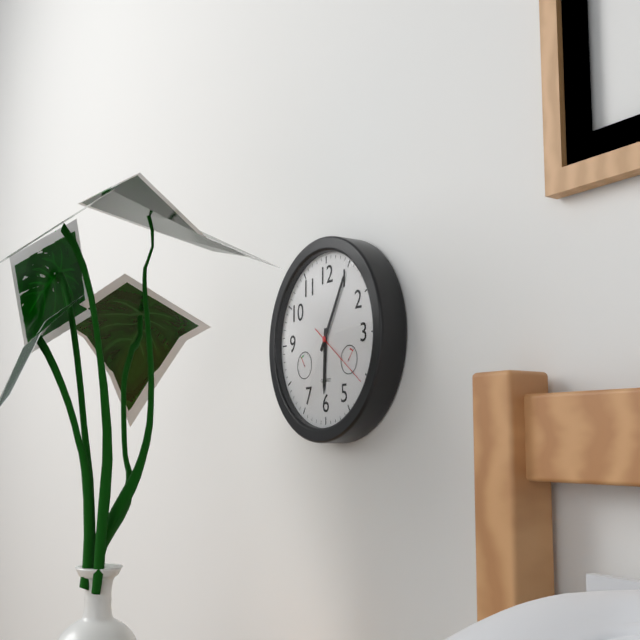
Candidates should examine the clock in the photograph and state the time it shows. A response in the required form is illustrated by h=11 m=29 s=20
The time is h=6 m=5 s=21
